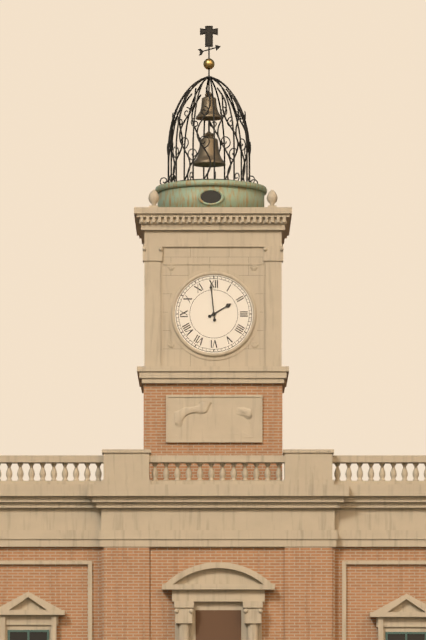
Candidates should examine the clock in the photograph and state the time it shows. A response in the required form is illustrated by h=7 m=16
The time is h=1 m=59
